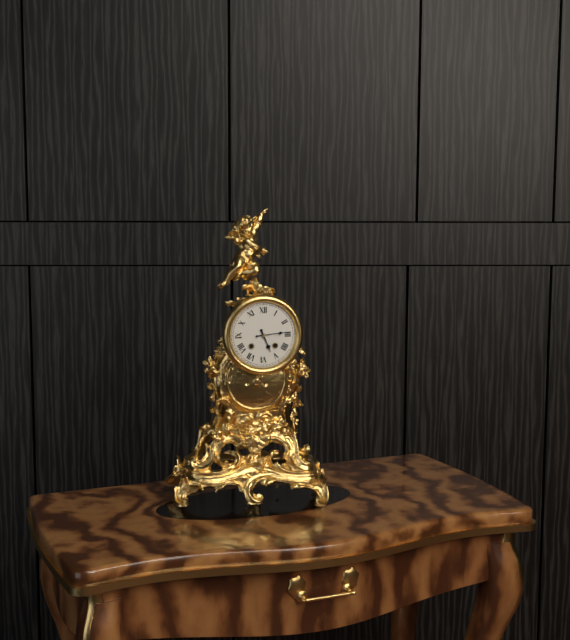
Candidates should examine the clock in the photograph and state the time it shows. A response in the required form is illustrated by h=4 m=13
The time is h=5 m=14
